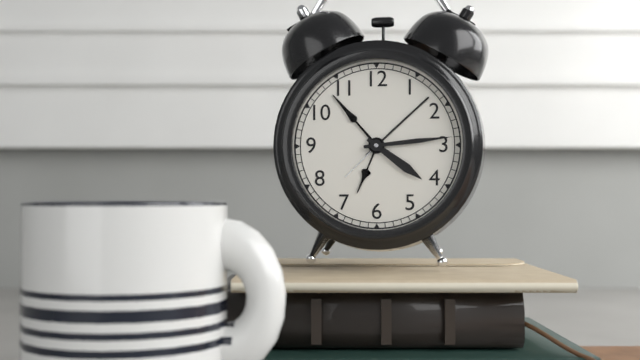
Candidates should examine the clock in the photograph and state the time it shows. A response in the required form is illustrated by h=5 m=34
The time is h=4 m=14
